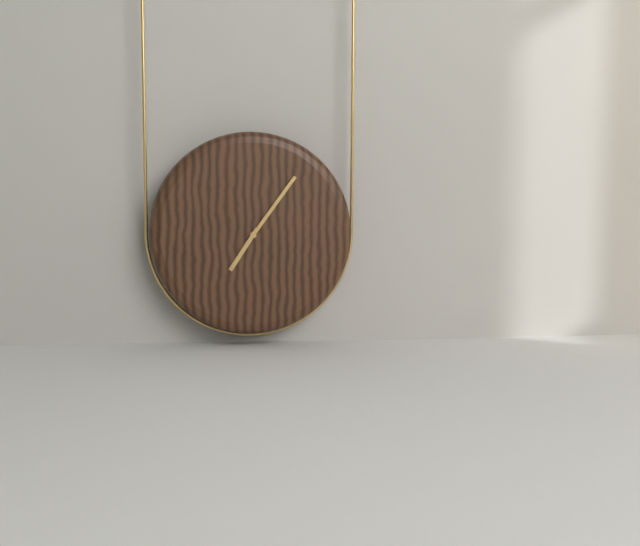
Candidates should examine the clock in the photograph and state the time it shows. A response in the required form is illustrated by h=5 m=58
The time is h=7 m=6
